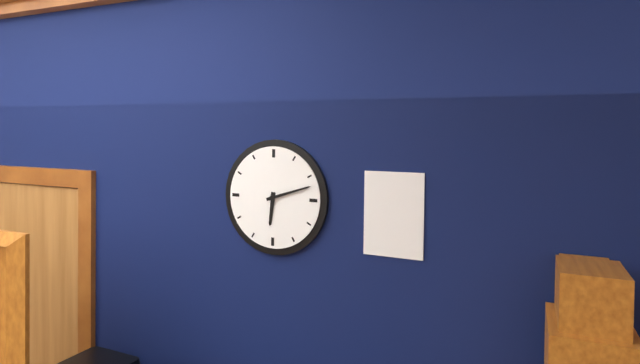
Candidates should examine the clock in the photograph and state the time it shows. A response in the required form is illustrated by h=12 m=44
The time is h=6 m=12
